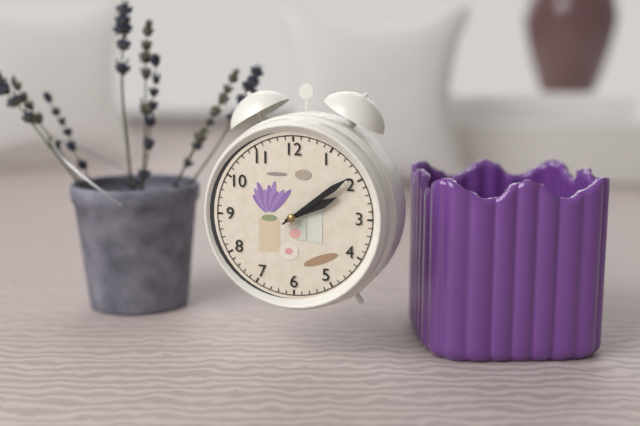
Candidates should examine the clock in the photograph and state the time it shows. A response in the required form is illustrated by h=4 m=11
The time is h=2 m=9
